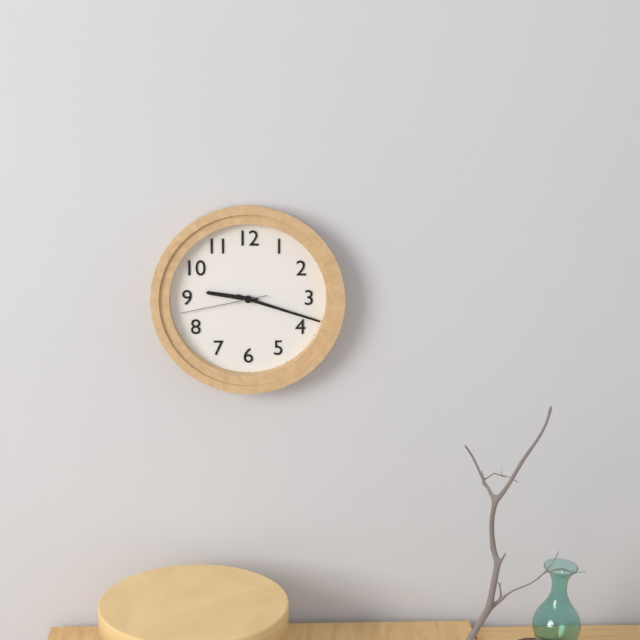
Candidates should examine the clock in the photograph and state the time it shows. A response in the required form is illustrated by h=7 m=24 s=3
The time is h=9 m=18 s=43
